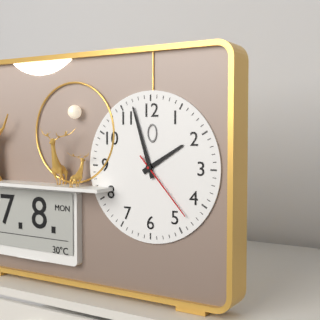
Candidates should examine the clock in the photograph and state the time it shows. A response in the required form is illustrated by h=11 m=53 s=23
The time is h=1 m=57 s=23
